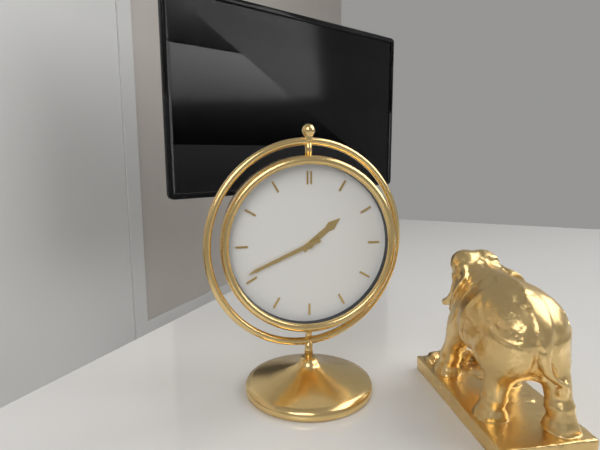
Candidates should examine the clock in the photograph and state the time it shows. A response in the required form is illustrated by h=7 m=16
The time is h=1 m=41
